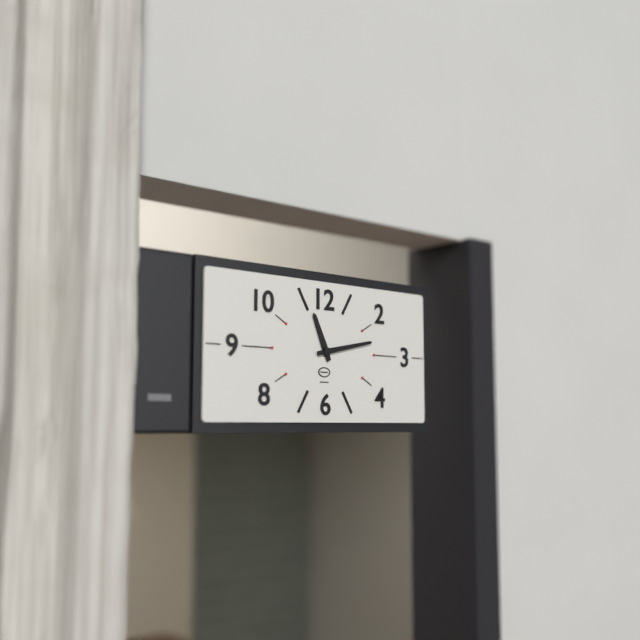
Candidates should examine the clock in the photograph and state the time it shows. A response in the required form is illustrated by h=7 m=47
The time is h=11 m=13
